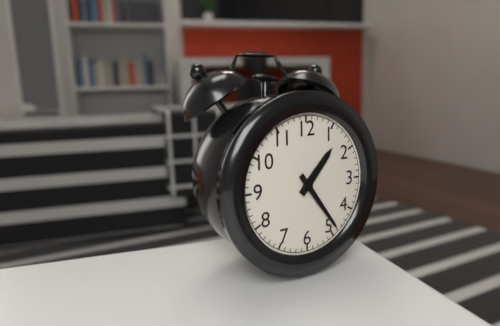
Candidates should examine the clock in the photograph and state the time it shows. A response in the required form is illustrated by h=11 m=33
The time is h=1 m=24
